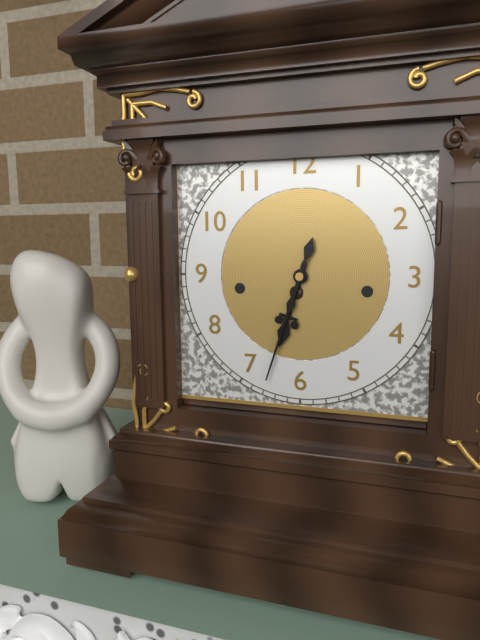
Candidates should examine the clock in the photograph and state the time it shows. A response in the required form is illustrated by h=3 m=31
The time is h=6 m=33
